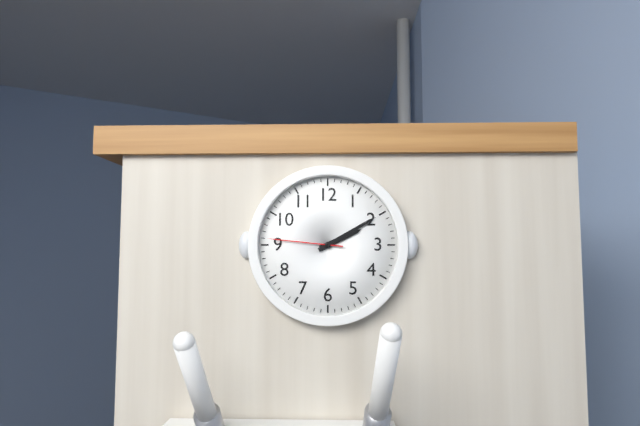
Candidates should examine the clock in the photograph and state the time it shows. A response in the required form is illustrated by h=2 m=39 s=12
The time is h=2 m=10 s=46
